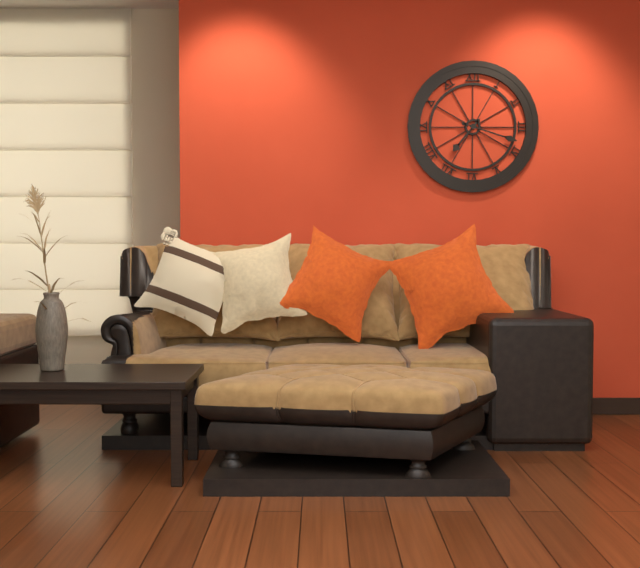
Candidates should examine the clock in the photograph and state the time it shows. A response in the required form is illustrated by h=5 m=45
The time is h=7 m=18
